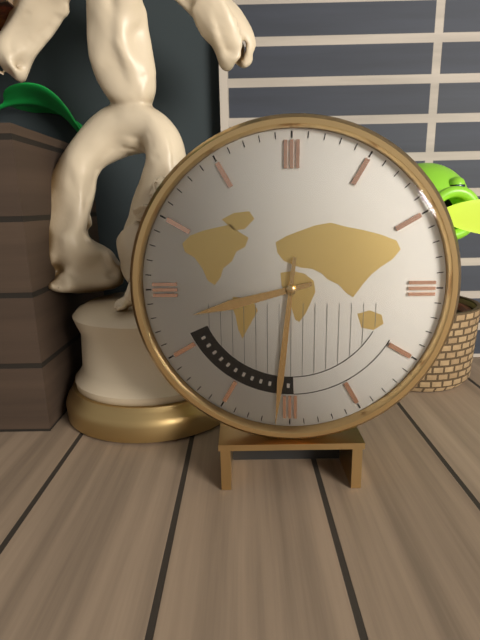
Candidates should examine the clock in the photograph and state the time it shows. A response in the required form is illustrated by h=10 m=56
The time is h=8 m=31
